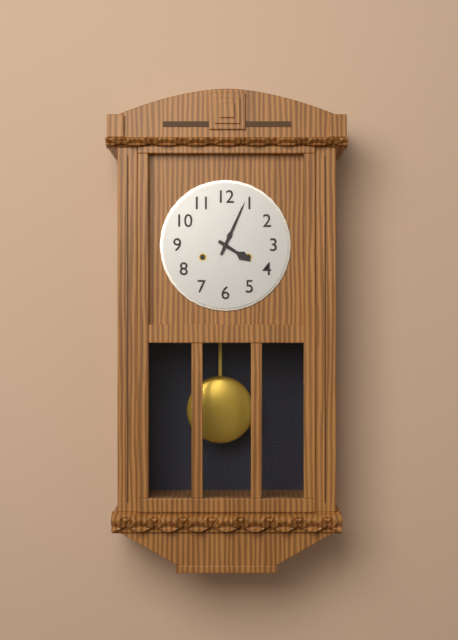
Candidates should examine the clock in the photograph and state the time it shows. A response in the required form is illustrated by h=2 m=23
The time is h=4 m=4
